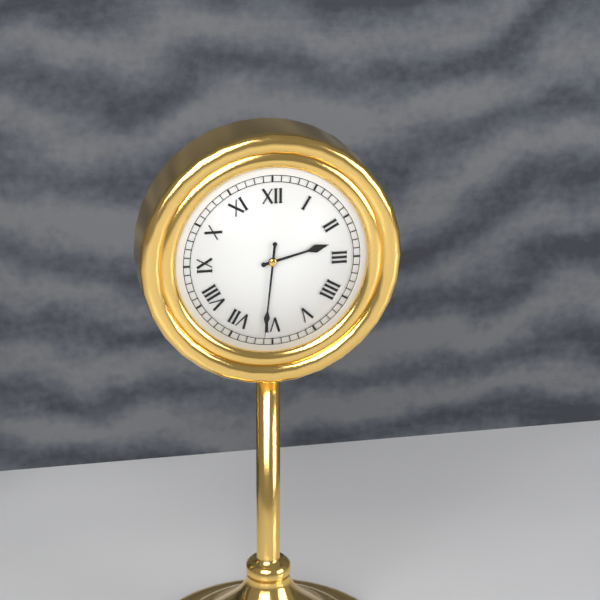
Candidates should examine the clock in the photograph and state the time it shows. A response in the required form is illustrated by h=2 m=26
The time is h=2 m=31
